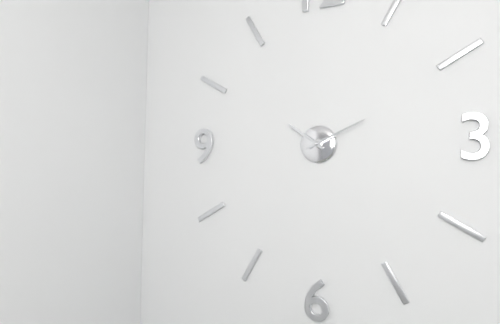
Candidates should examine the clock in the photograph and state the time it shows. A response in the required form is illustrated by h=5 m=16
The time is h=10 m=11
